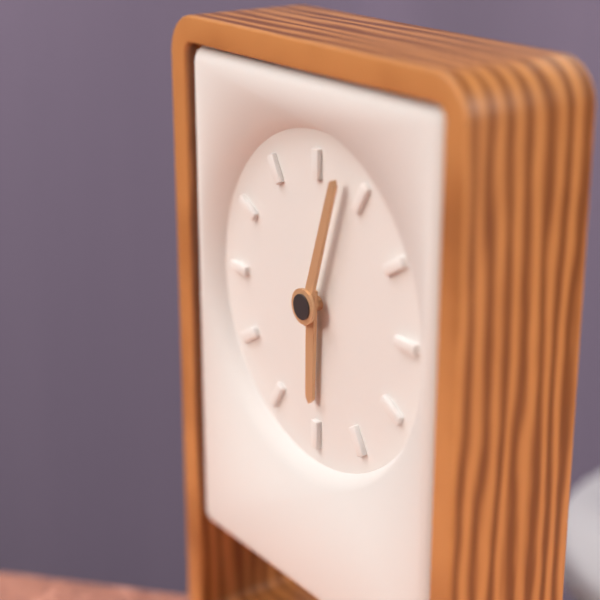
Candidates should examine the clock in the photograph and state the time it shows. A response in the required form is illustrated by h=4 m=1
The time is h=6 m=3
